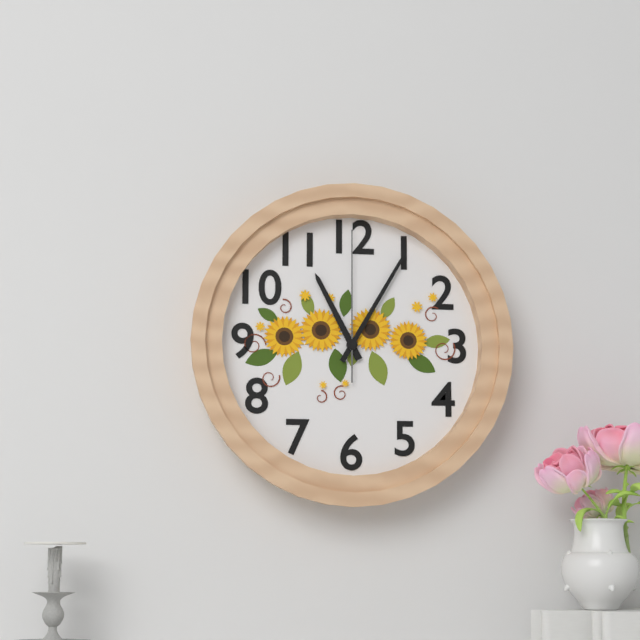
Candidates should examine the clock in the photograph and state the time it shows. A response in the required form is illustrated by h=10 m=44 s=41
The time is h=11 m=5 s=0
